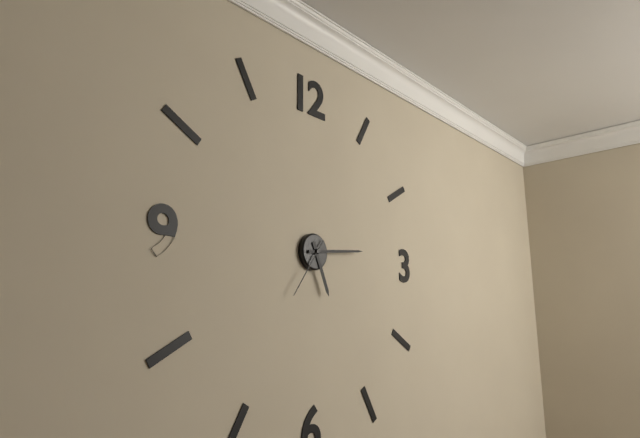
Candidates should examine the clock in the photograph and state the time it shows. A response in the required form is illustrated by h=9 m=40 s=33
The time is h=5 m=14 s=36
